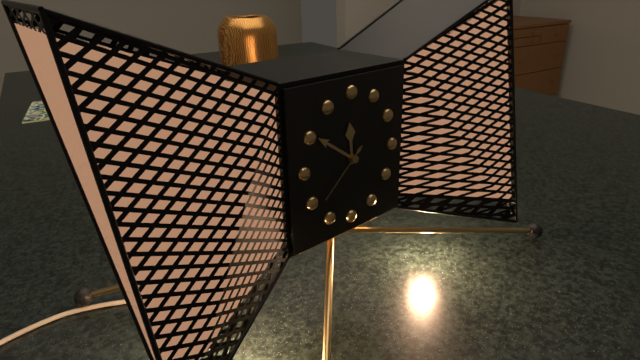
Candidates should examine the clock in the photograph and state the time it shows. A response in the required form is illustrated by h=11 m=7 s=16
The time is h=11 m=51 s=38
